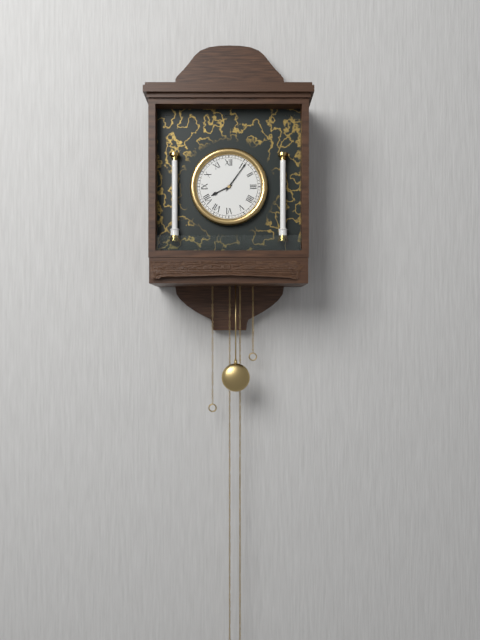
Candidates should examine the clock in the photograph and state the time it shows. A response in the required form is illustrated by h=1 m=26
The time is h=8 m=6
